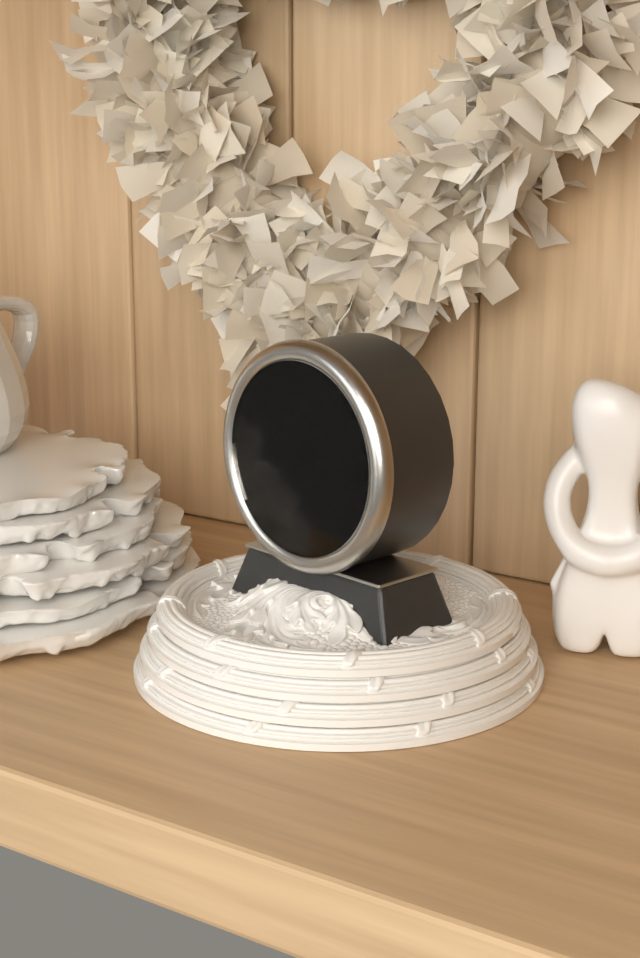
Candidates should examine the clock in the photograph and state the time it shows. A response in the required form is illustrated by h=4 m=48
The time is h=8 m=55
